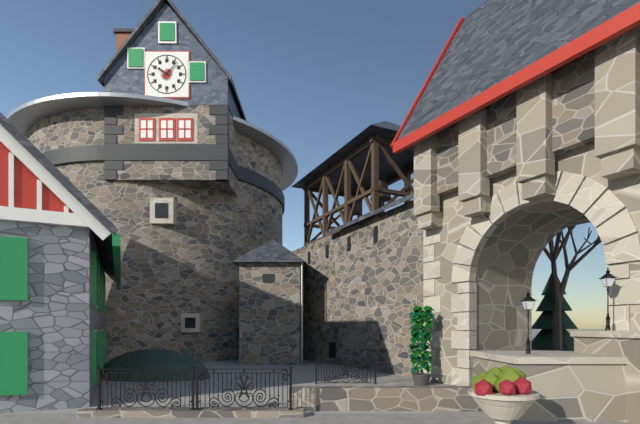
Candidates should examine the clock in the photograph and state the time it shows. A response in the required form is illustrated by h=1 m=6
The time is h=10 m=7
